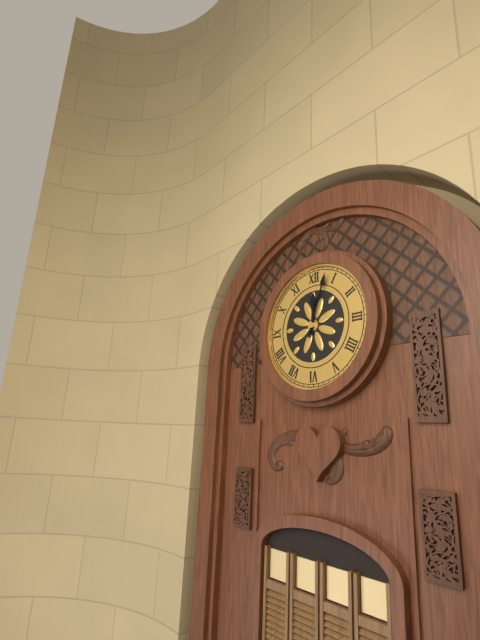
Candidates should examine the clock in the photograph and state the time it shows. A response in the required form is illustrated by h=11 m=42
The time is h=12 m=3
